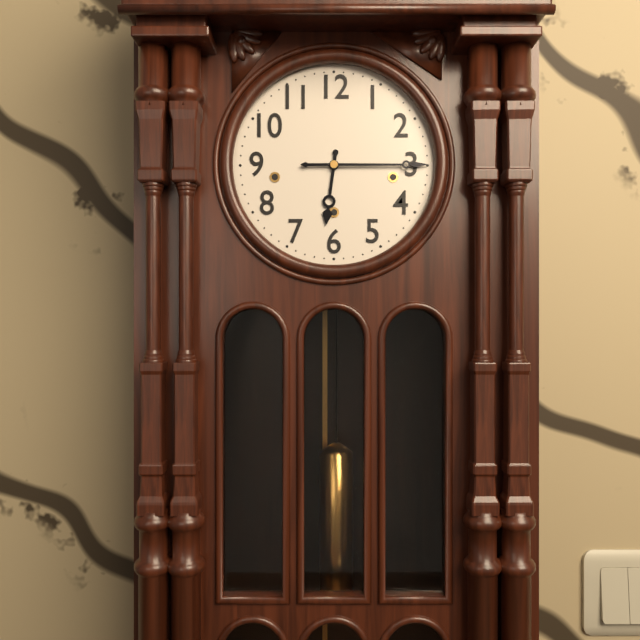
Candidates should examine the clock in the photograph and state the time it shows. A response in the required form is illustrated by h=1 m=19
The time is h=6 m=15
